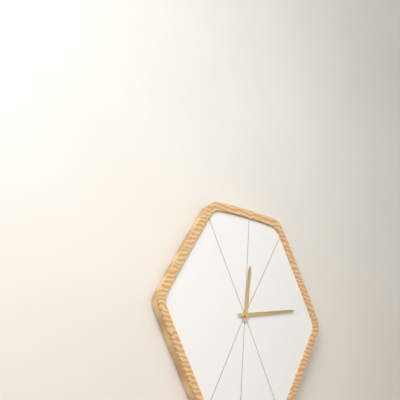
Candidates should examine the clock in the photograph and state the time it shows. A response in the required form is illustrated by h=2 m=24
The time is h=12 m=13
